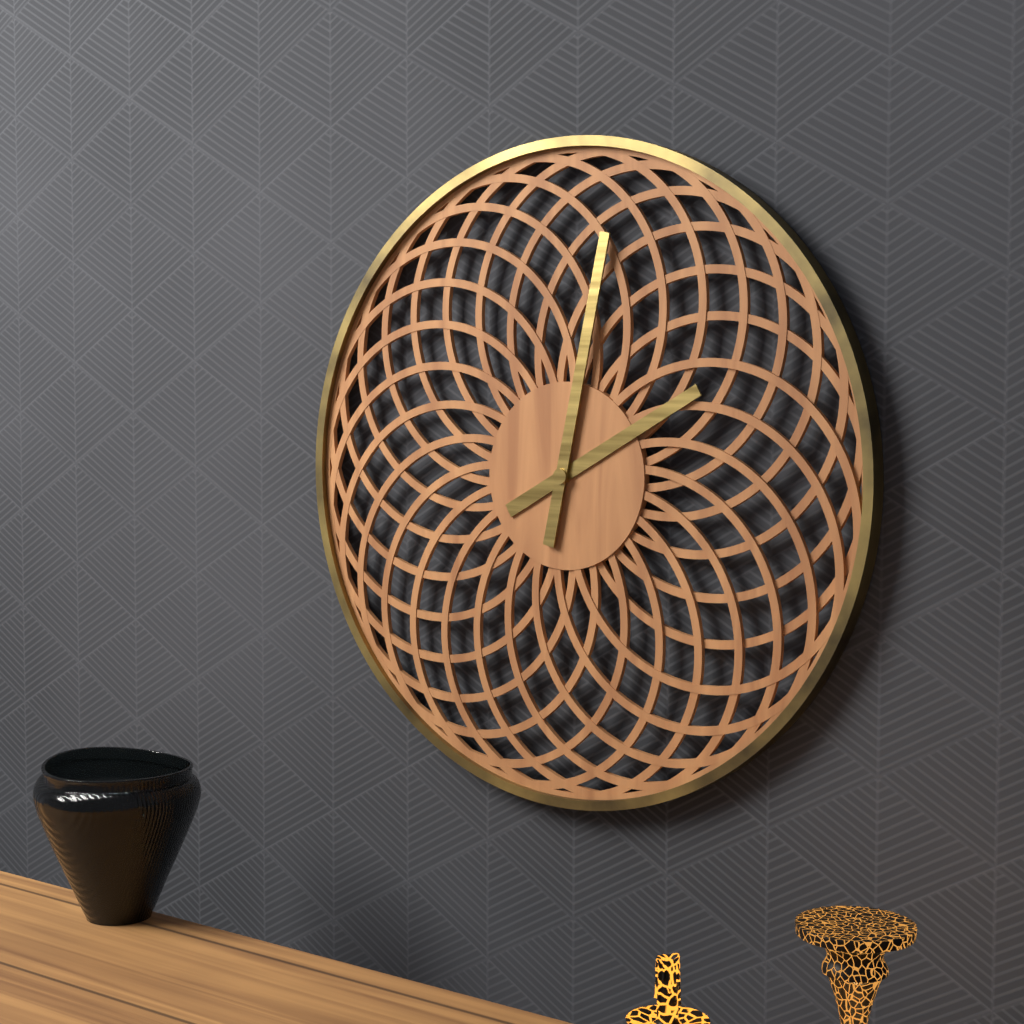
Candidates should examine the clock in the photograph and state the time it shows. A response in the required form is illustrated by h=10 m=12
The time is h=2 m=2
